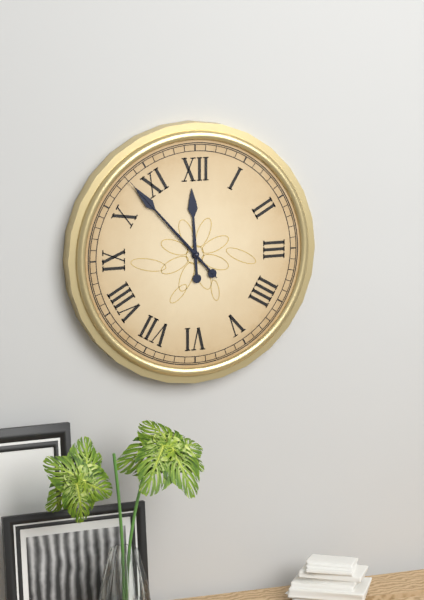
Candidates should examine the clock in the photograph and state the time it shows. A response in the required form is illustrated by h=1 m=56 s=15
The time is h=11 m=53 s=53
